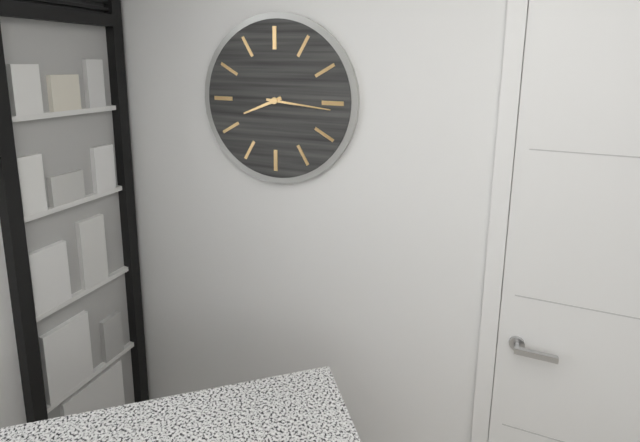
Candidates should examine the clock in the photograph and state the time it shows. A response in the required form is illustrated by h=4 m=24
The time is h=8 m=16
